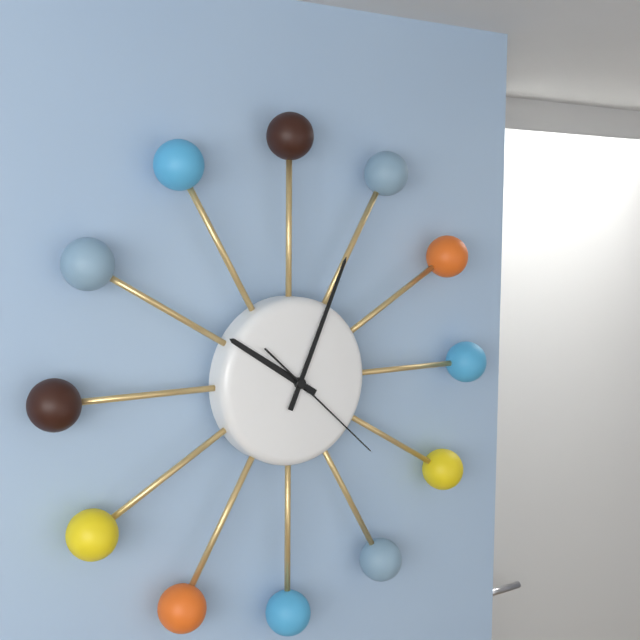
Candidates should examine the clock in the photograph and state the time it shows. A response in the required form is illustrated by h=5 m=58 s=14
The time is h=10 m=4 s=22
